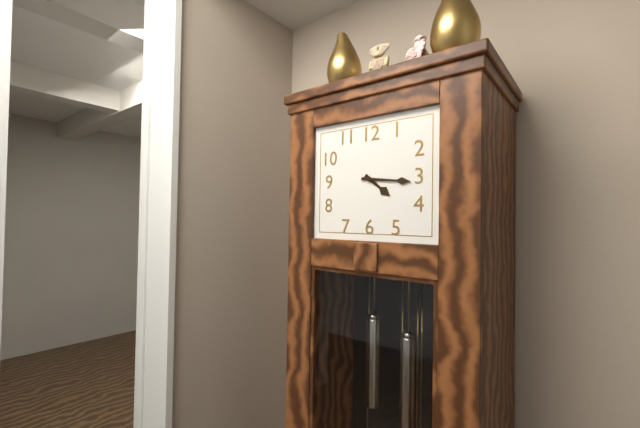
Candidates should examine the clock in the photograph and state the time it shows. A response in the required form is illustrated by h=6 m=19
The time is h=4 m=16
